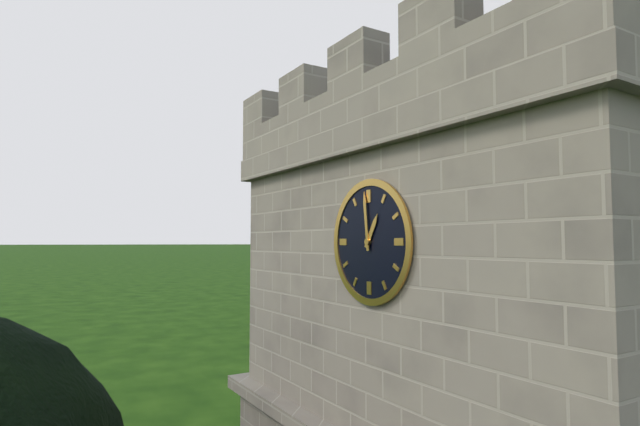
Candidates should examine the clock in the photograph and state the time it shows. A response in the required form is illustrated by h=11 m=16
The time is h=12 m=59
